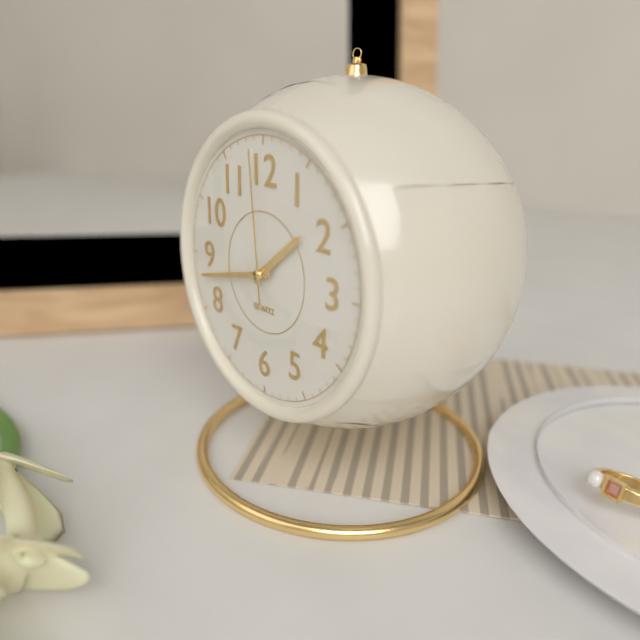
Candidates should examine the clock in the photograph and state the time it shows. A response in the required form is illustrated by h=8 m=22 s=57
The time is h=1 m=43 s=59
